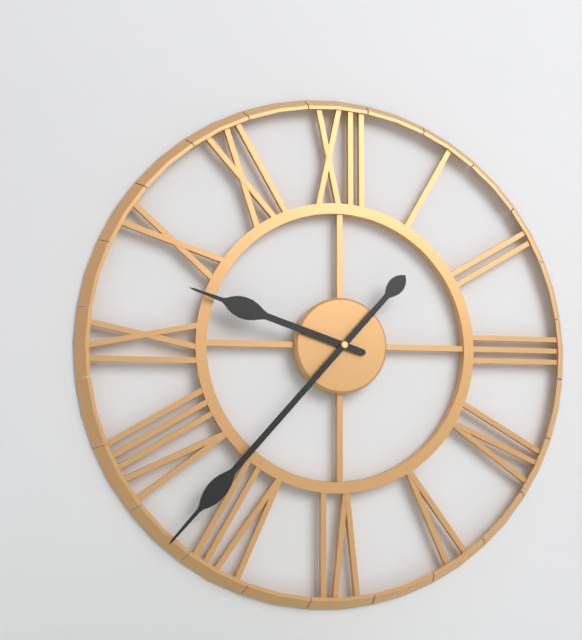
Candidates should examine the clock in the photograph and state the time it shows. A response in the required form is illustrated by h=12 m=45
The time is h=9 m=37
